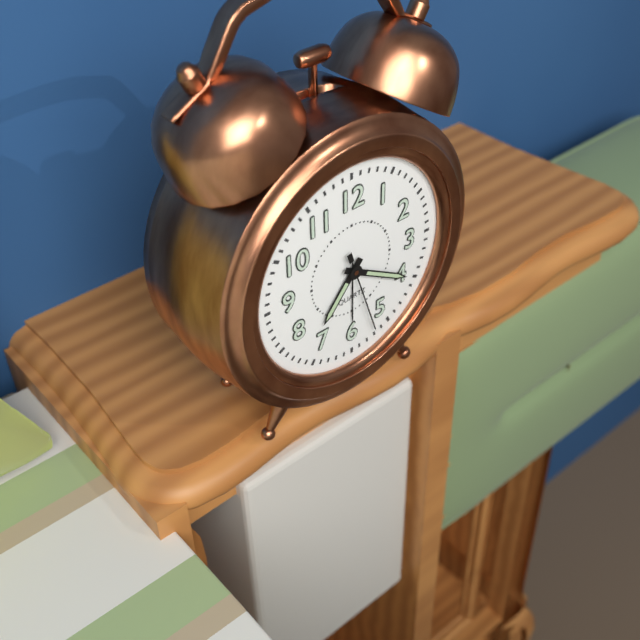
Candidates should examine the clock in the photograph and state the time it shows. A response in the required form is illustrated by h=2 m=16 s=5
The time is h=7 m=20 s=27
